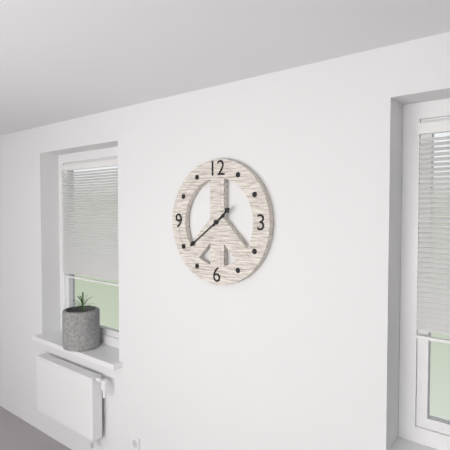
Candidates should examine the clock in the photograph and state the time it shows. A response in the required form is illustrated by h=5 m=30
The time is h=1 m=39
